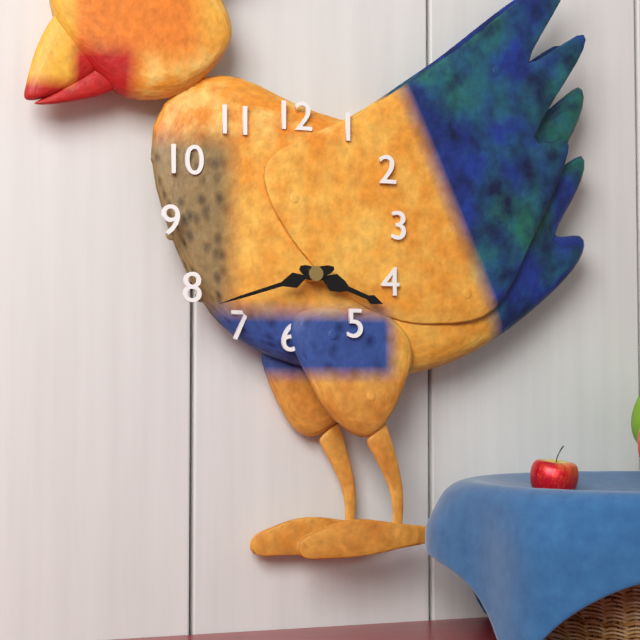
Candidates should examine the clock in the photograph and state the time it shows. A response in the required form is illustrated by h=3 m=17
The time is h=3 m=42
